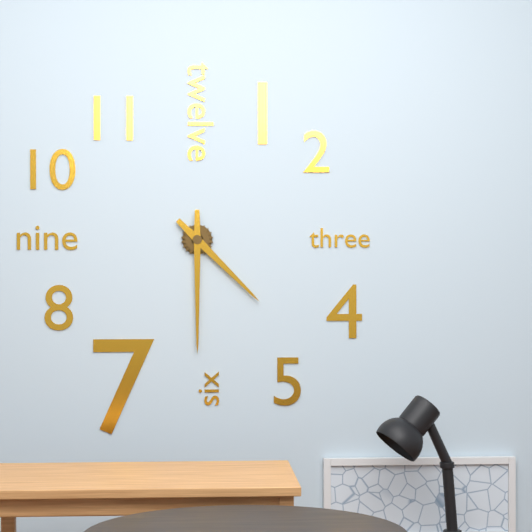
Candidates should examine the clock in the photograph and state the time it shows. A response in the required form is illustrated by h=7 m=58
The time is h=4 m=30
